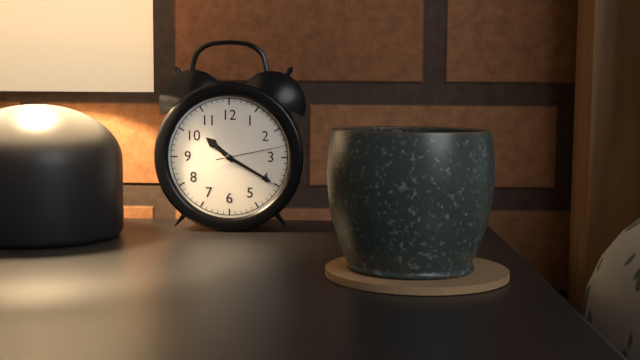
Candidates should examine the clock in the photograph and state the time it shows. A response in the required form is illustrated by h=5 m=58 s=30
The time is h=10 m=20 s=13
